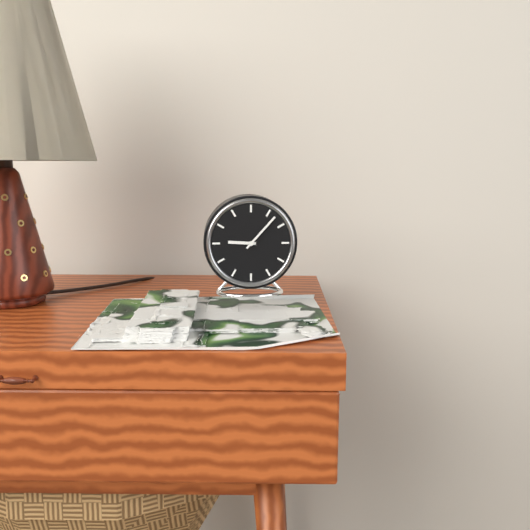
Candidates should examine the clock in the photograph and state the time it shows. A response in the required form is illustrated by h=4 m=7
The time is h=9 m=7
